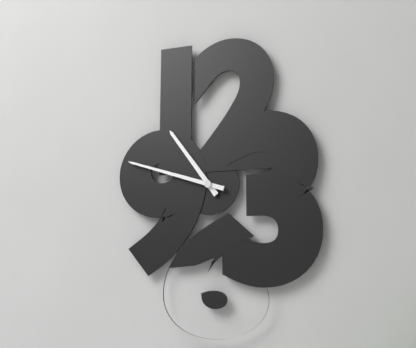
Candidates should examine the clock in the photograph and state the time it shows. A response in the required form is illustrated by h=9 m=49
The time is h=10 m=48
